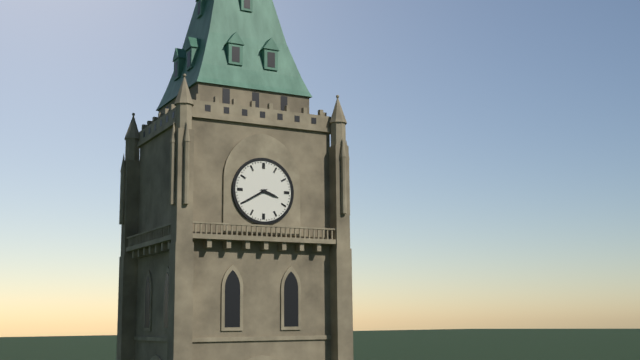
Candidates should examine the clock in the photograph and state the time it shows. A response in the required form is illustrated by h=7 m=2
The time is h=3 m=40
